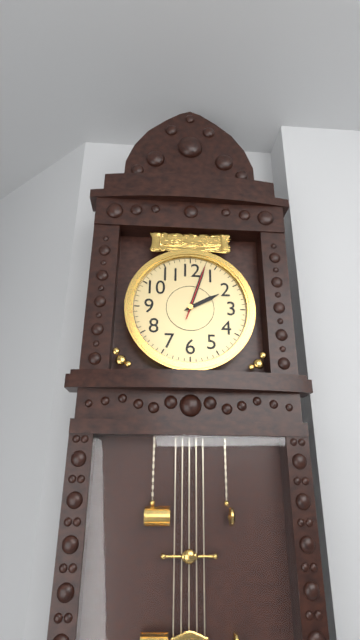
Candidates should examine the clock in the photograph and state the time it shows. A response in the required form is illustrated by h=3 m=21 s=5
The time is h=2 m=3 s=3
